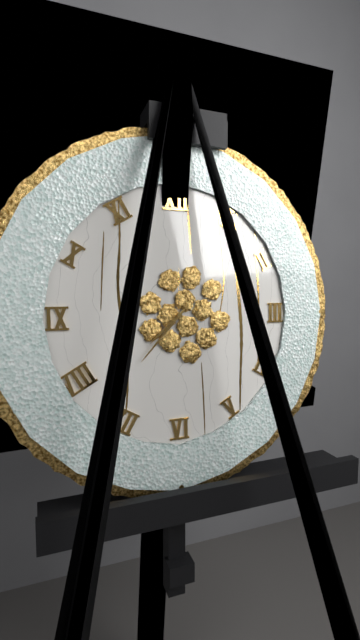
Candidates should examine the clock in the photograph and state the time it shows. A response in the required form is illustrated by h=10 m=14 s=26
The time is h=7 m=37 s=0
